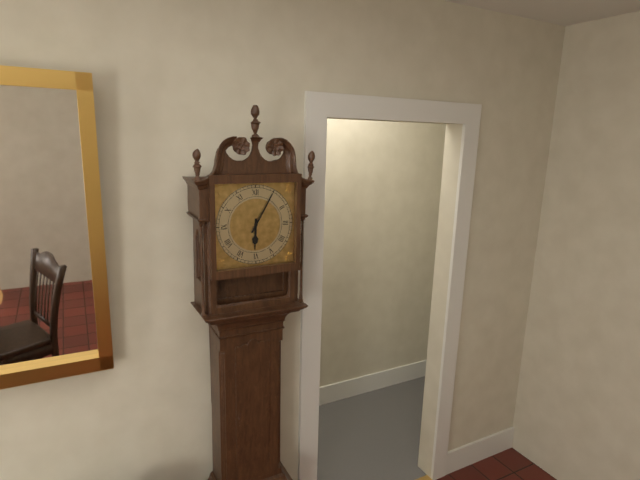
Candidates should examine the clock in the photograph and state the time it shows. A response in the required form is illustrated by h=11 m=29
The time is h=6 m=5
